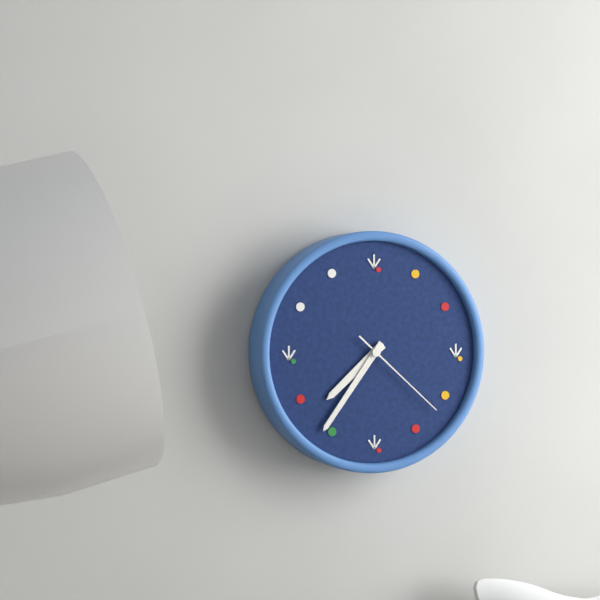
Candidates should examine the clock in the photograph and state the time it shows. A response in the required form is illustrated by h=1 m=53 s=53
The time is h=7 m=36 s=22
